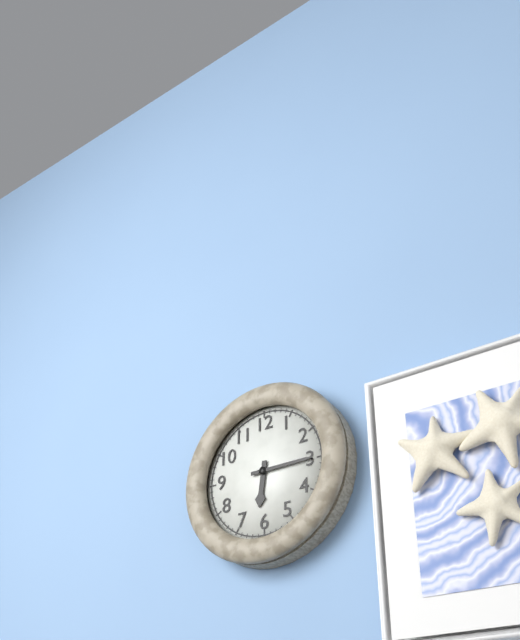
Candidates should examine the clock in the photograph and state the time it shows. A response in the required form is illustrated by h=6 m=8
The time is h=6 m=15
